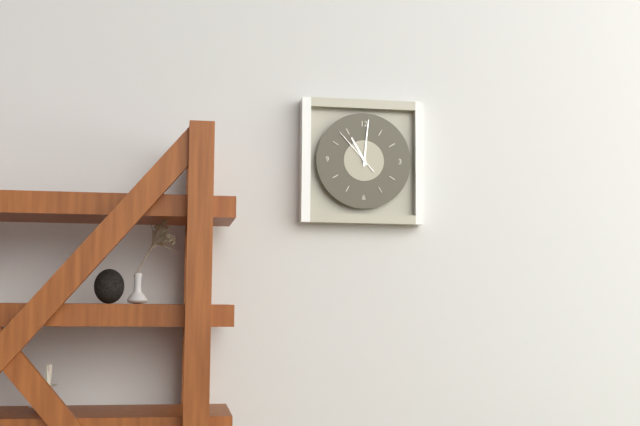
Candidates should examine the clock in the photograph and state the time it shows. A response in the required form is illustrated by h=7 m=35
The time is h=11 m=1
